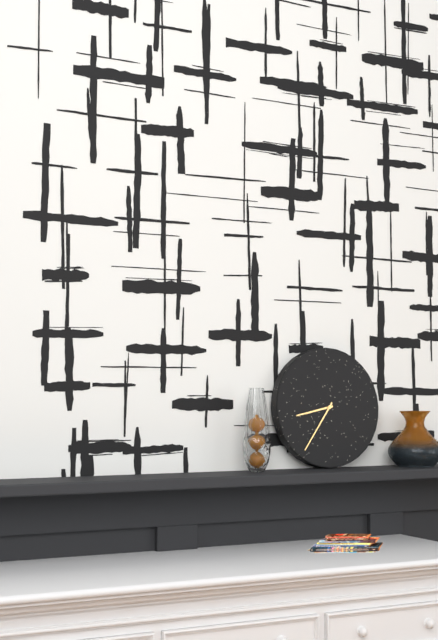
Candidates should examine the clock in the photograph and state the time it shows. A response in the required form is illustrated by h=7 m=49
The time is h=8 m=36
